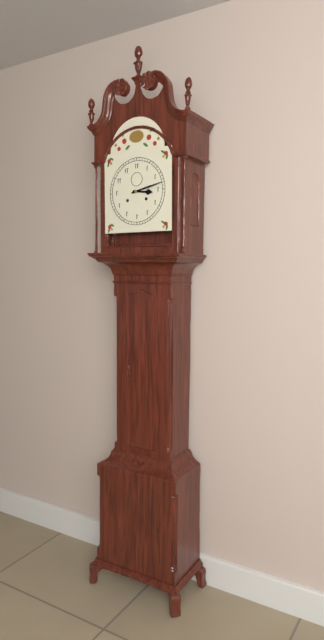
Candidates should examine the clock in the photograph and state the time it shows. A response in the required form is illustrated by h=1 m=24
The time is h=3 m=13
